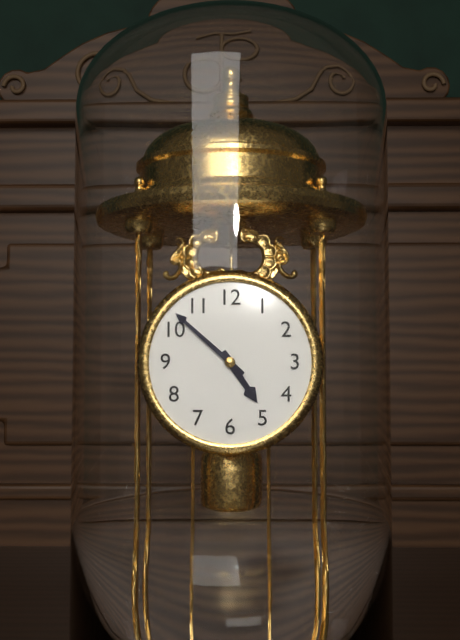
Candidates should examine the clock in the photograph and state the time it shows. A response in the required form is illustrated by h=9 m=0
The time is h=4 m=52
